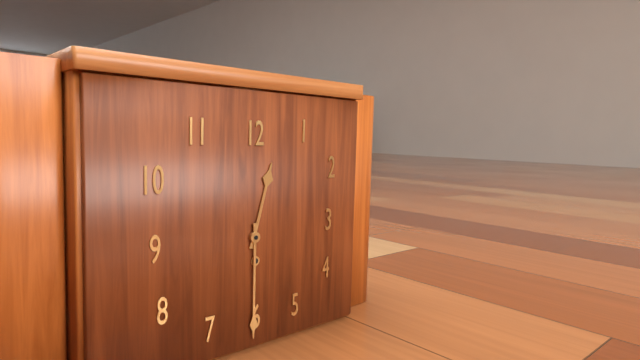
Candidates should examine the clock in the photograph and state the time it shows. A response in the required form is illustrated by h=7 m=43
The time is h=12 m=30
